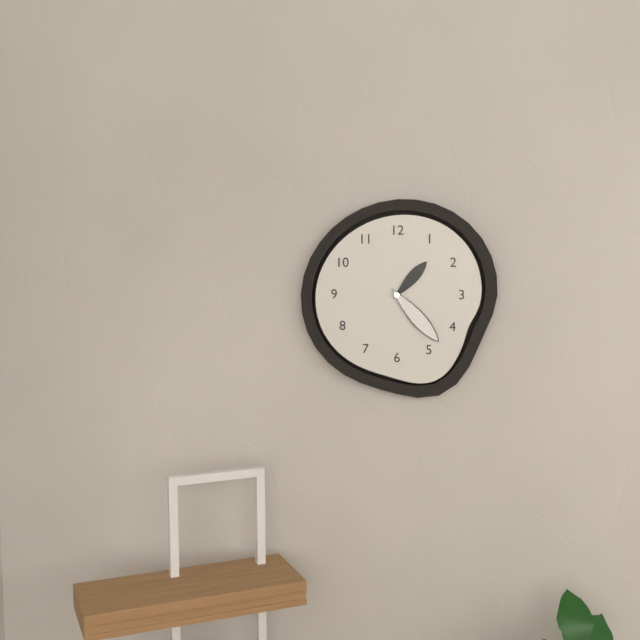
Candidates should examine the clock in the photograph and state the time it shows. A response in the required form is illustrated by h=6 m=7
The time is h=1 m=23
